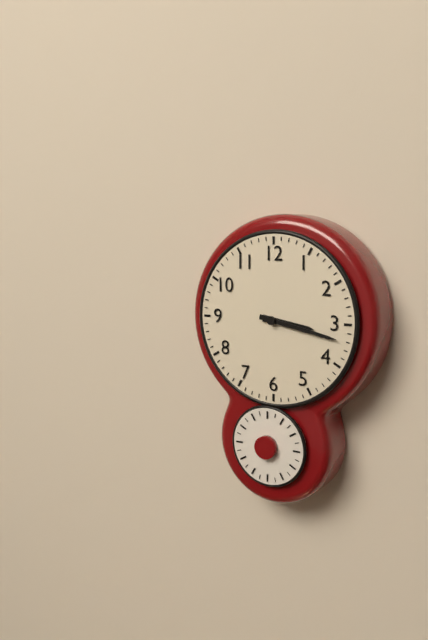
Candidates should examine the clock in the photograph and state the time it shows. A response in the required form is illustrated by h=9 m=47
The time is h=3 m=17
